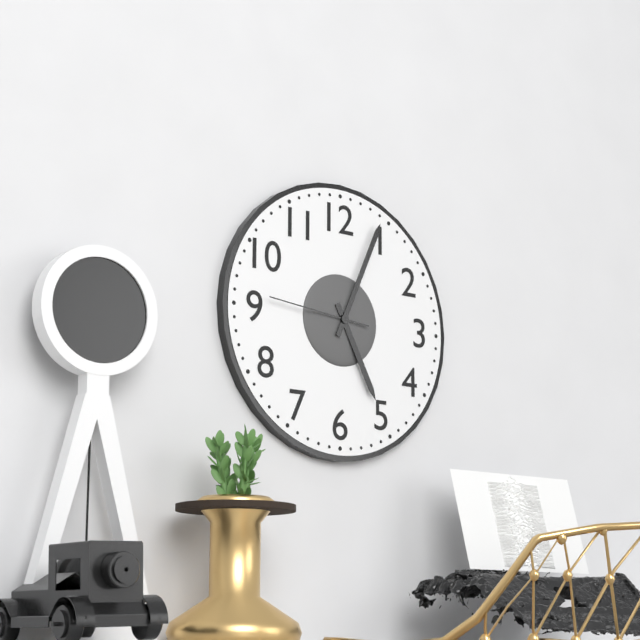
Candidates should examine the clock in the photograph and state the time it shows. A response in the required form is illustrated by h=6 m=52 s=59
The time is h=5 m=4 s=46
